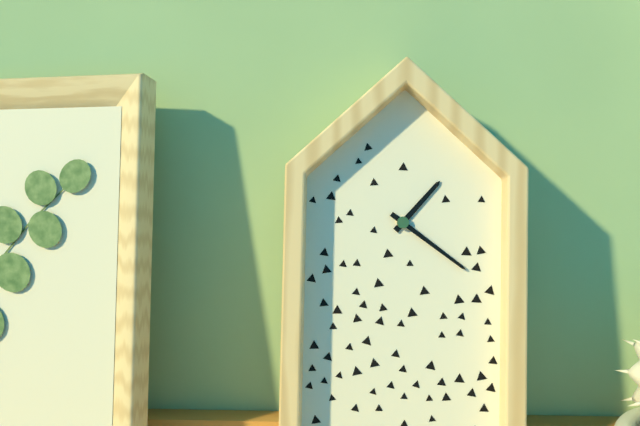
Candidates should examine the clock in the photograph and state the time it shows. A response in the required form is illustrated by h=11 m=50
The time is h=1 m=21
